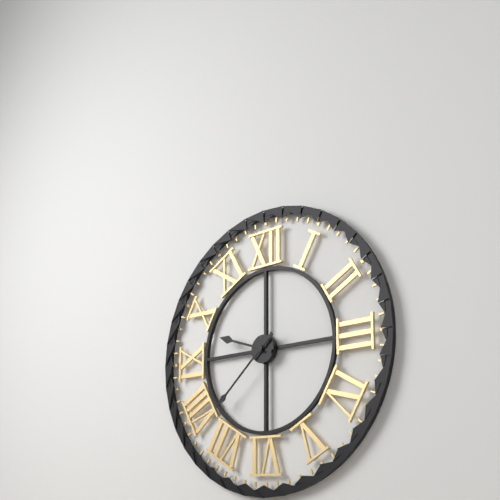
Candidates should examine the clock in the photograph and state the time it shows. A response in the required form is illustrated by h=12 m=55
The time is h=9 m=38
